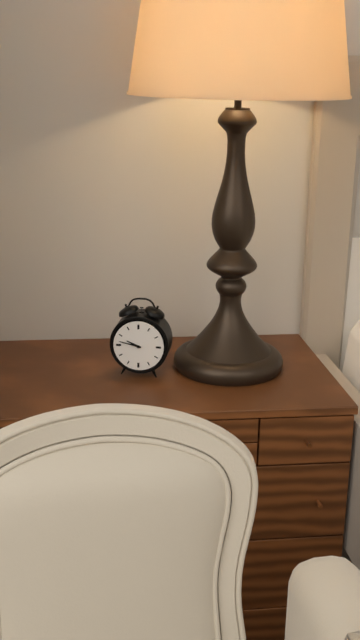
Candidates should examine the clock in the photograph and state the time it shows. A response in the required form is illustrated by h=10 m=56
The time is h=9 m=47
